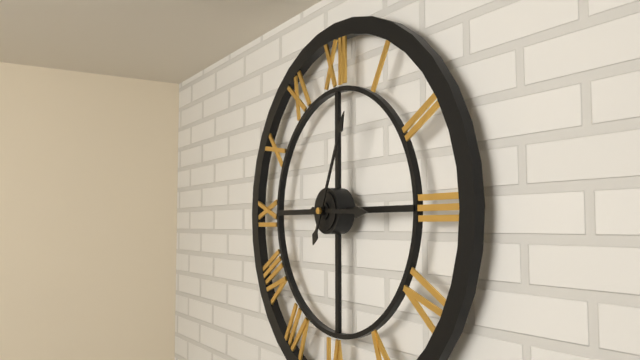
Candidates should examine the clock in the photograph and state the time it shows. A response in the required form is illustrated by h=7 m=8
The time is h=3 m=4
